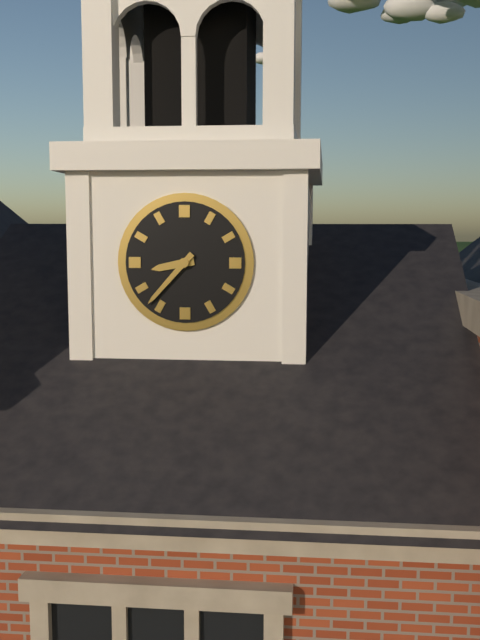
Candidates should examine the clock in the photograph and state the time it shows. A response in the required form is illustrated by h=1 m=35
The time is h=8 m=37
